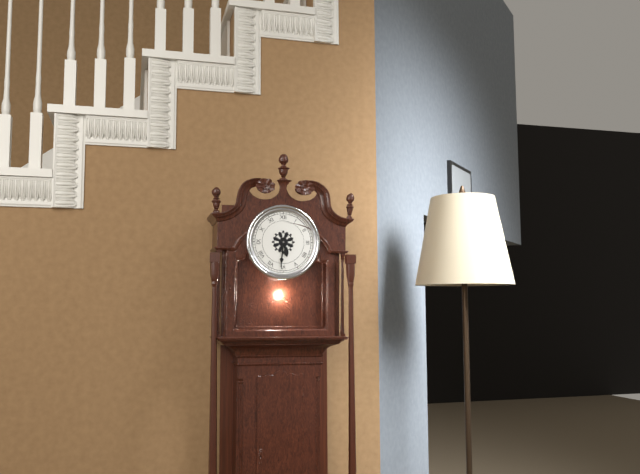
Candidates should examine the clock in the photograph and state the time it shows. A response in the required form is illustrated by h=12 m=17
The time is h=5 m=31
